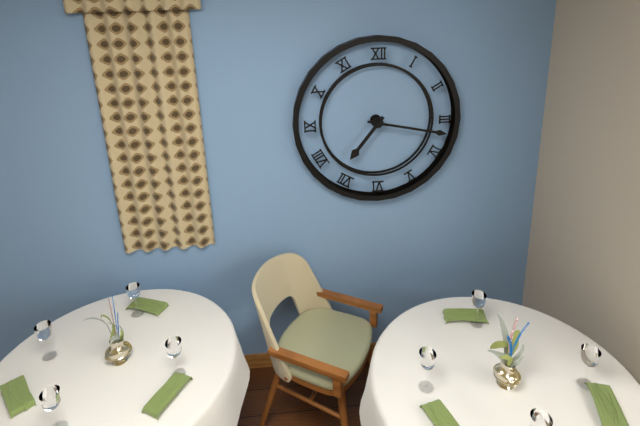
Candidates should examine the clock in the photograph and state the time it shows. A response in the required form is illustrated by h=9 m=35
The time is h=7 m=17
